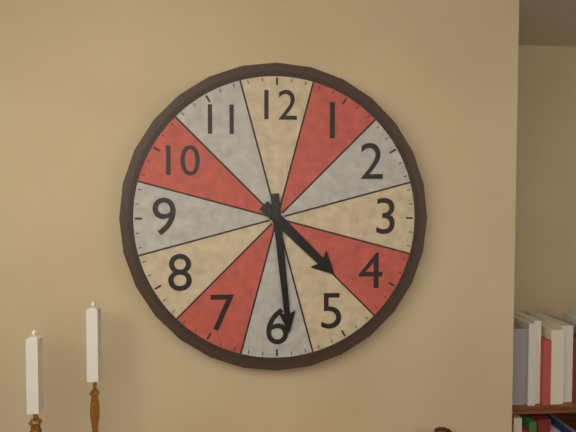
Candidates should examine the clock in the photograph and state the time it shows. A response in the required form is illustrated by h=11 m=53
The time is h=4 m=29
